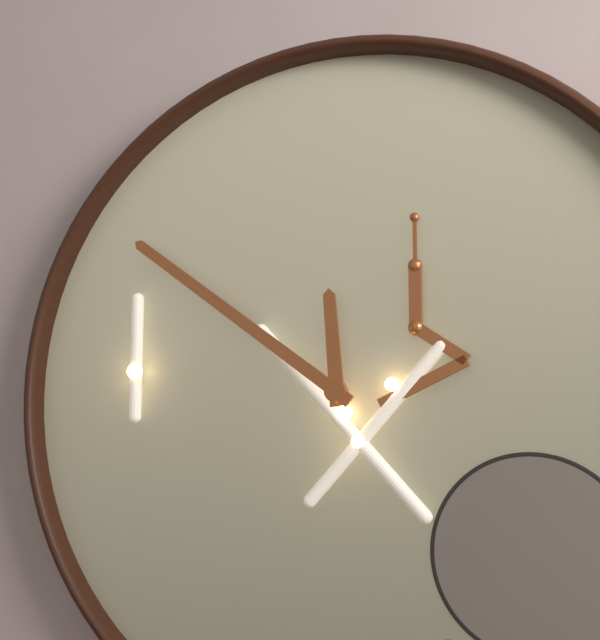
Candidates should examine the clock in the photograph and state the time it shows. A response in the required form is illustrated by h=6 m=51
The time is h=11 m=51
